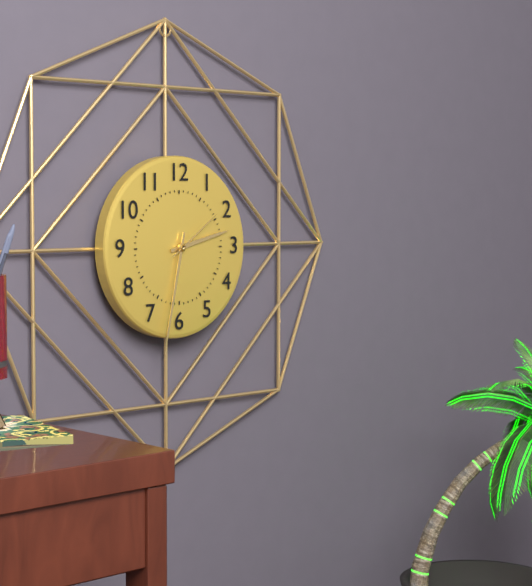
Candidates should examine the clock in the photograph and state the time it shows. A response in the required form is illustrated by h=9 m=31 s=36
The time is h=2 m=32 s=9
